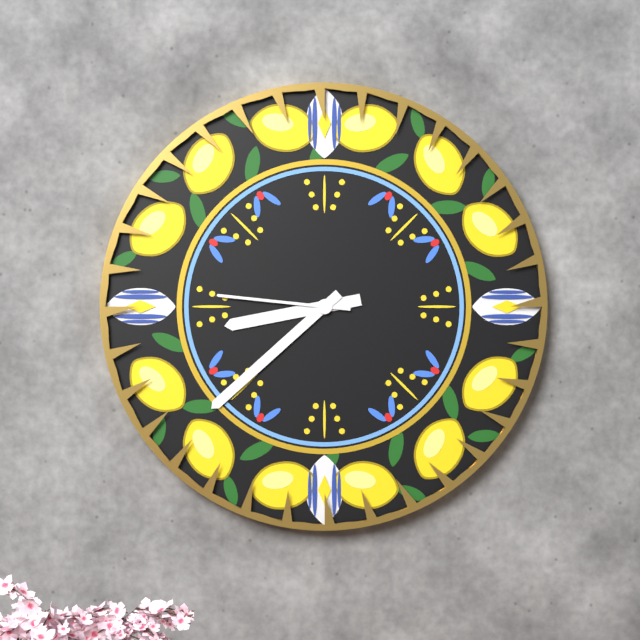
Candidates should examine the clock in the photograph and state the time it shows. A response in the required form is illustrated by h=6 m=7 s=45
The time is h=8 m=38 s=46
